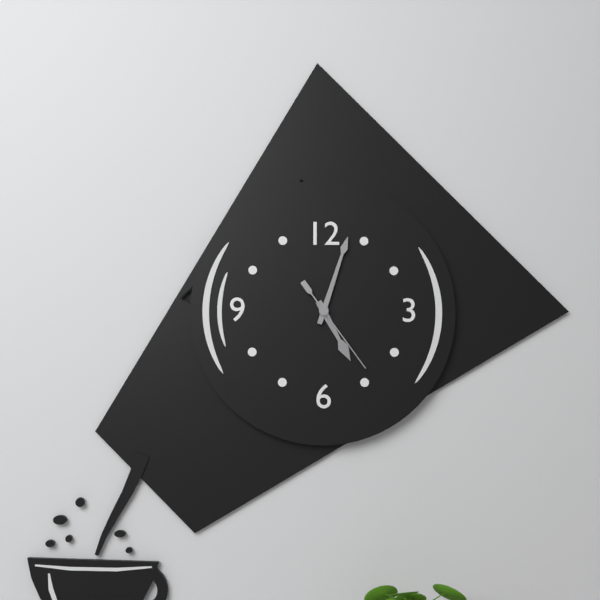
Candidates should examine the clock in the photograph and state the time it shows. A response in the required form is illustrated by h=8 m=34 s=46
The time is h=5 m=3 s=24
